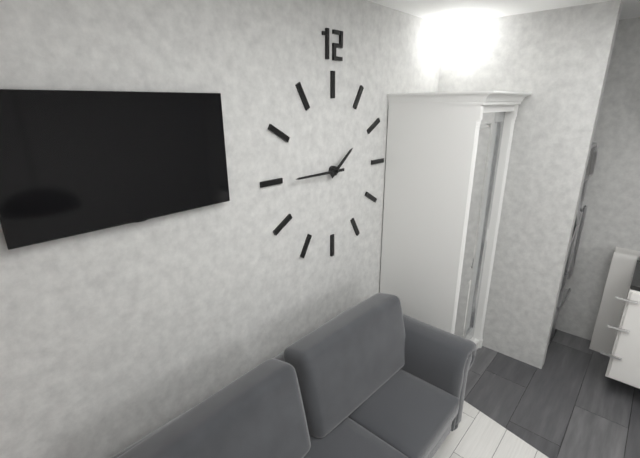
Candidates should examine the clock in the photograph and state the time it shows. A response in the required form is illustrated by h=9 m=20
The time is h=1 m=45
